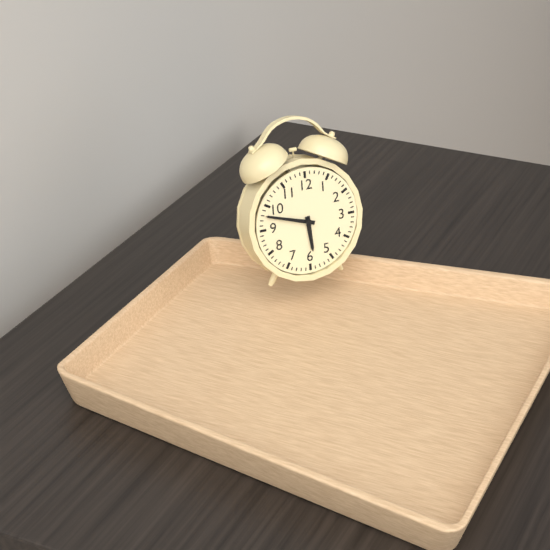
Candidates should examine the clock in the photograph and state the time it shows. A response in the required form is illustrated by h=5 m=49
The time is h=5 m=48
